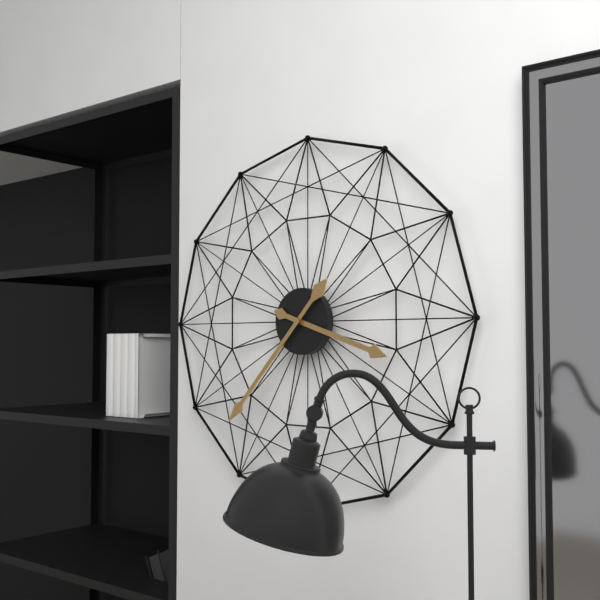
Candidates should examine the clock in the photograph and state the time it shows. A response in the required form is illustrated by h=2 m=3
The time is h=3 m=37
